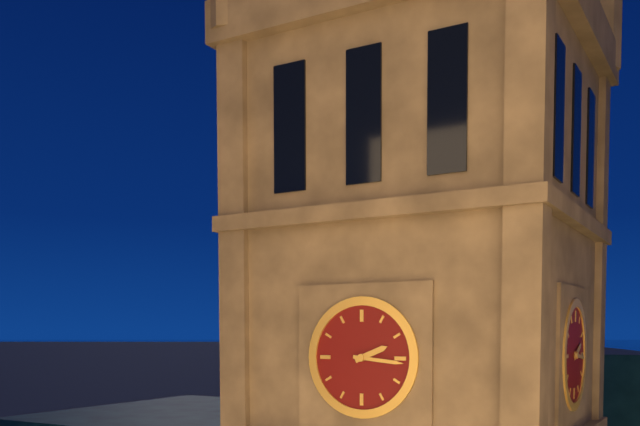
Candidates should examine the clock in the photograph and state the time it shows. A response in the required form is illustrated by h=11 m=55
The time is h=2 m=16
